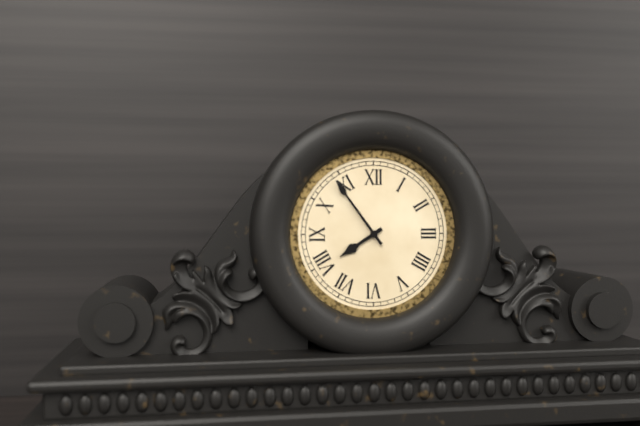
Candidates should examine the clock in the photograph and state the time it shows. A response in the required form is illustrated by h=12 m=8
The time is h=7 m=54
